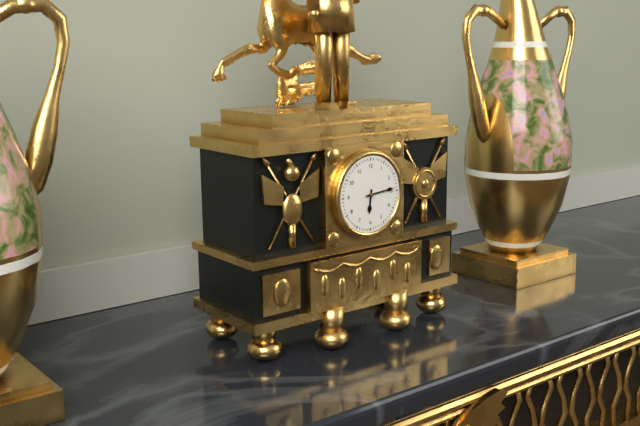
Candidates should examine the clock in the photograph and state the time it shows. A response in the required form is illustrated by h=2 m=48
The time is h=6 m=14
